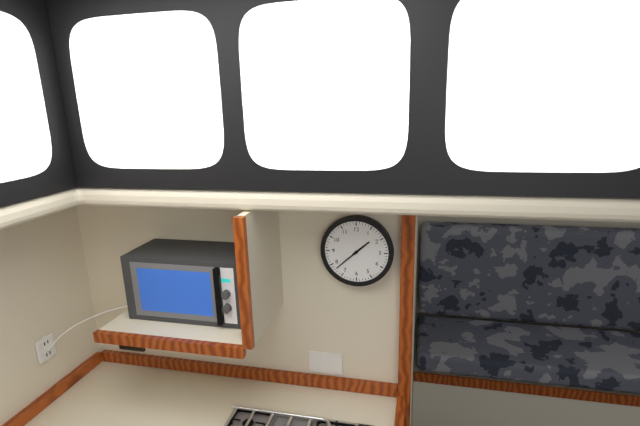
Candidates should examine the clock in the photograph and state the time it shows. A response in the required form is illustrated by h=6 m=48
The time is h=1 m=38
